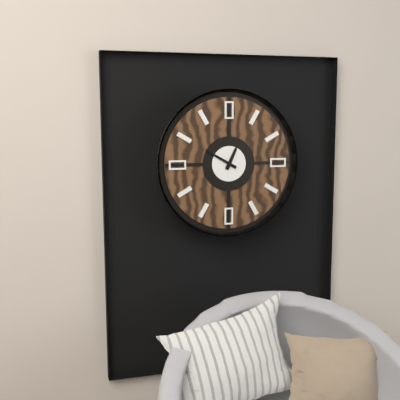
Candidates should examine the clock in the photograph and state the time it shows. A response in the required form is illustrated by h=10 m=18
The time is h=12 m=50
